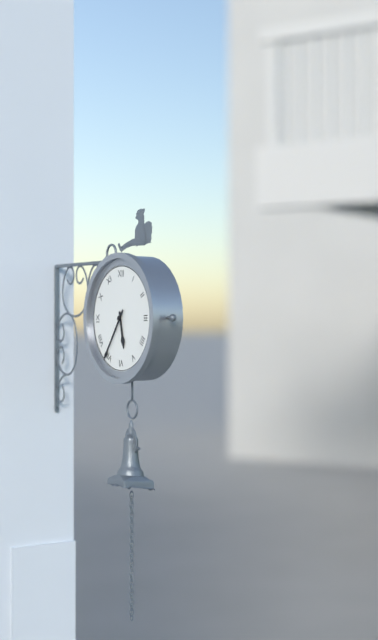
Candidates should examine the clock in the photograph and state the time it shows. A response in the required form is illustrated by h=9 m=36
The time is h=5 m=36
